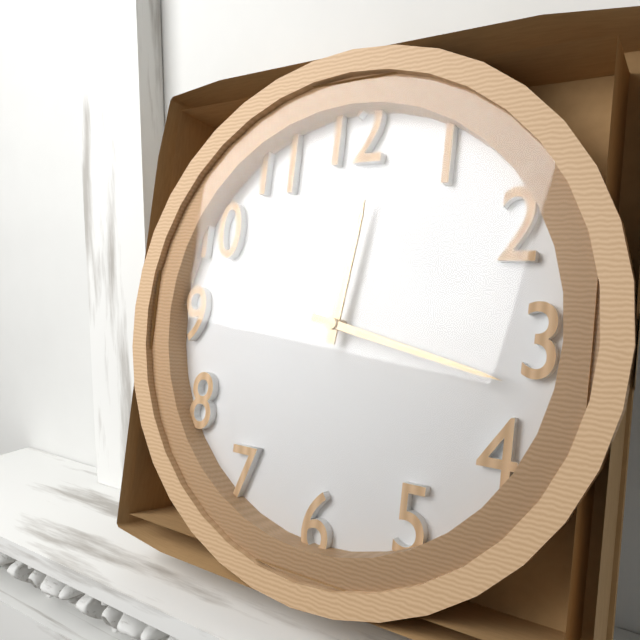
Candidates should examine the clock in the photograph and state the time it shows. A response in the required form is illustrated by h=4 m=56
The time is h=12 m=17
